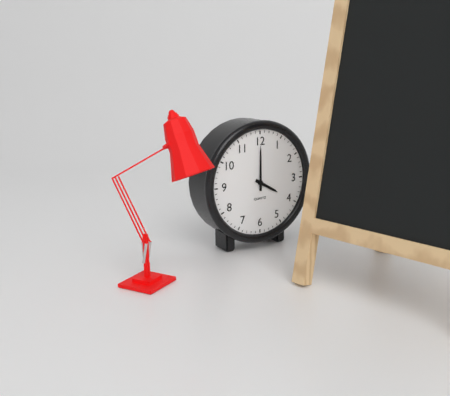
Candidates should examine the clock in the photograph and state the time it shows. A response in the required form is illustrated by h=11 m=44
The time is h=4 m=0
